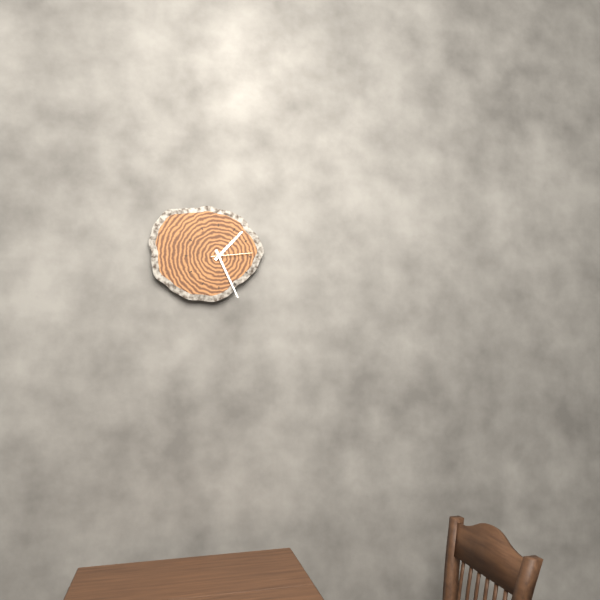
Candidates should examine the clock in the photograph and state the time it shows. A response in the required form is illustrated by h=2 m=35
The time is h=1 m=26
